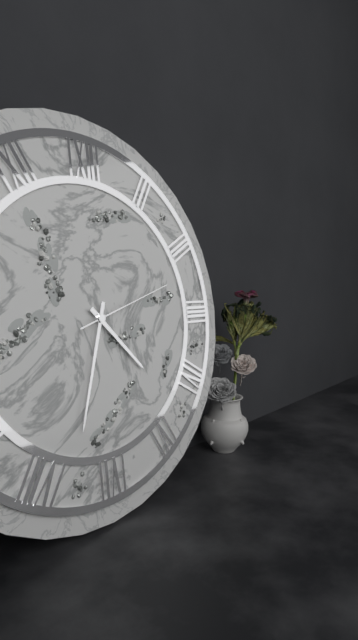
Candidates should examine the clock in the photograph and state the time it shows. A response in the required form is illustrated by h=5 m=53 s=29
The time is h=4 m=33 s=12
